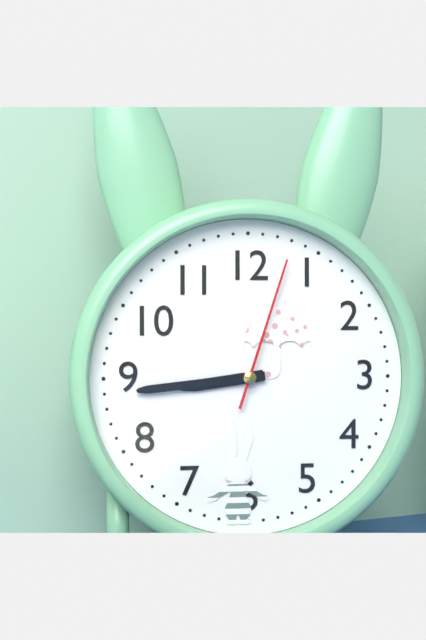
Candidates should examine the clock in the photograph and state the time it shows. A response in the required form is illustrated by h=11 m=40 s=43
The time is h=8 m=44 s=3
